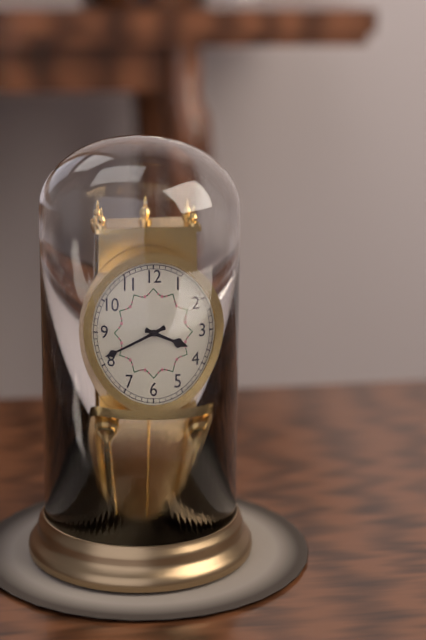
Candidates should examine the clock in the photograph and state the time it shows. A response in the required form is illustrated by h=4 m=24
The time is h=3 m=41
